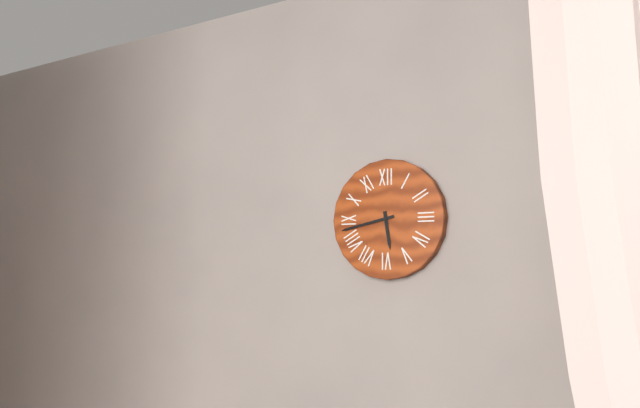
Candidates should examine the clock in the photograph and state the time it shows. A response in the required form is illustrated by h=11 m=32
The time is h=5 m=43
